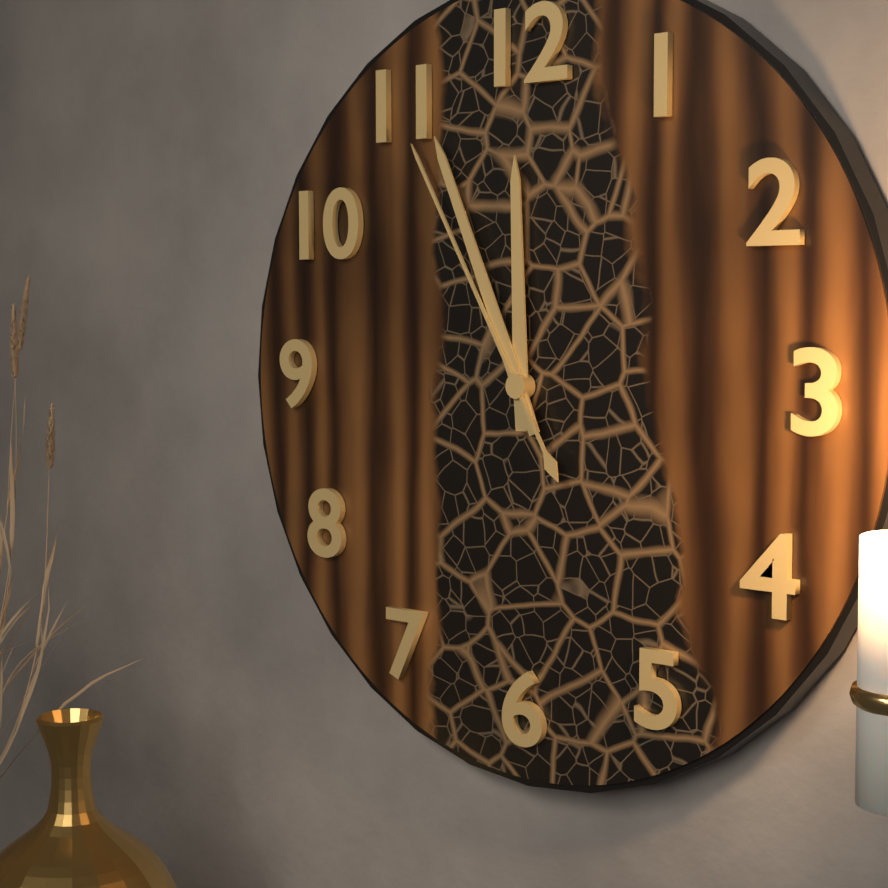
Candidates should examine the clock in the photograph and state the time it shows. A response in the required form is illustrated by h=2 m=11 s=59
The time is h=11 m=56 s=55
